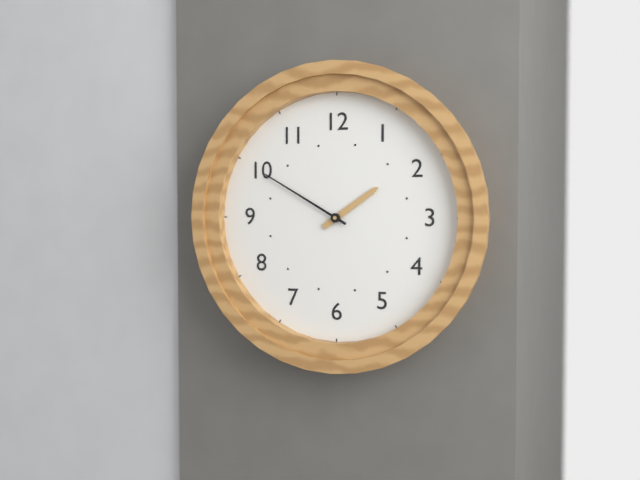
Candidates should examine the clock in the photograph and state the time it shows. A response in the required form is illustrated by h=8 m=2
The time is h=1 m=50
